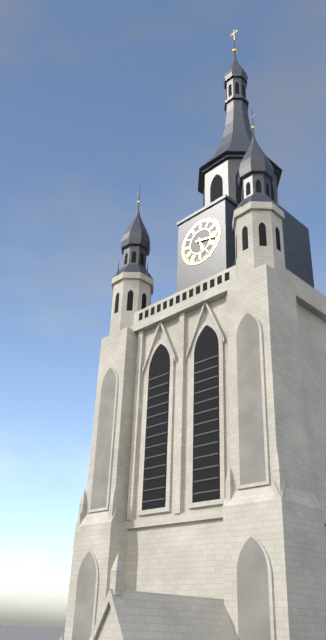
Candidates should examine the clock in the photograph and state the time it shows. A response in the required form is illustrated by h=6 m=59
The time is h=5 m=17
